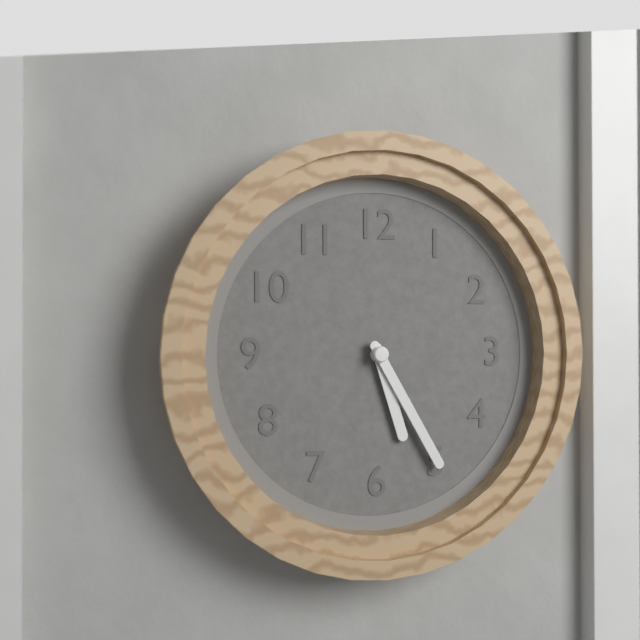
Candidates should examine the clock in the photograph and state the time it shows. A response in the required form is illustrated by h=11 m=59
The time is h=5 m=25
